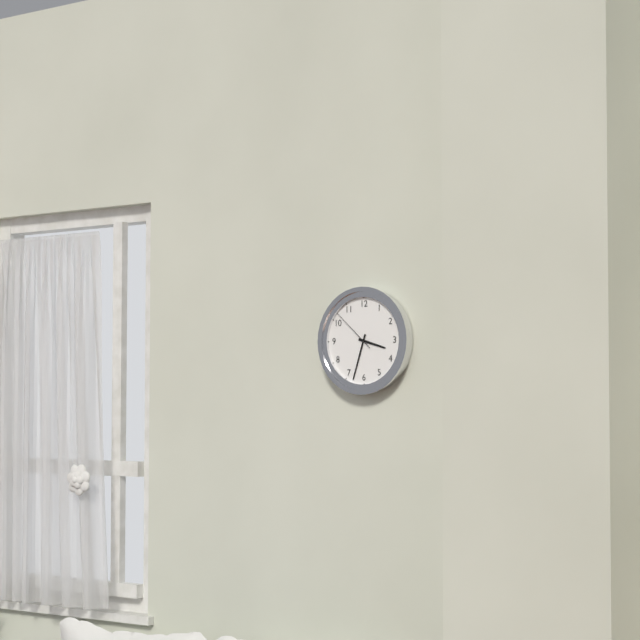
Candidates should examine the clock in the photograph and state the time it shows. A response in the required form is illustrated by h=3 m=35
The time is h=3 m=33
